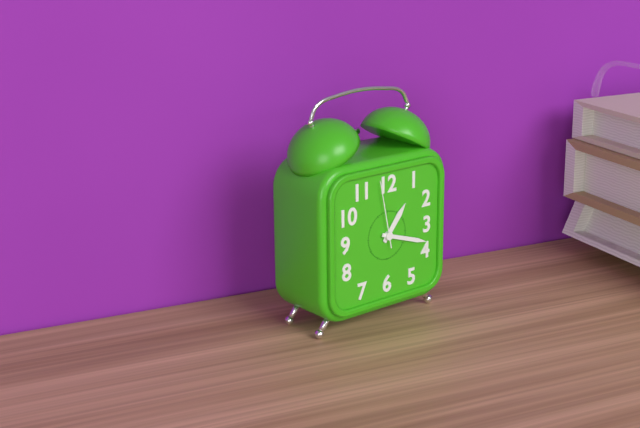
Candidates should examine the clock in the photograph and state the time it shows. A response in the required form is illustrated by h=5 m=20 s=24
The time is h=1 m=18 s=58
